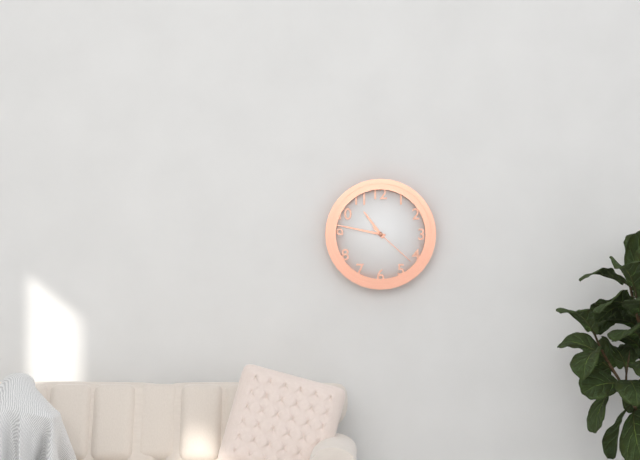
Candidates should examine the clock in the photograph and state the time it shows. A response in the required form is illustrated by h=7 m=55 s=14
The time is h=10 m=47 s=22
